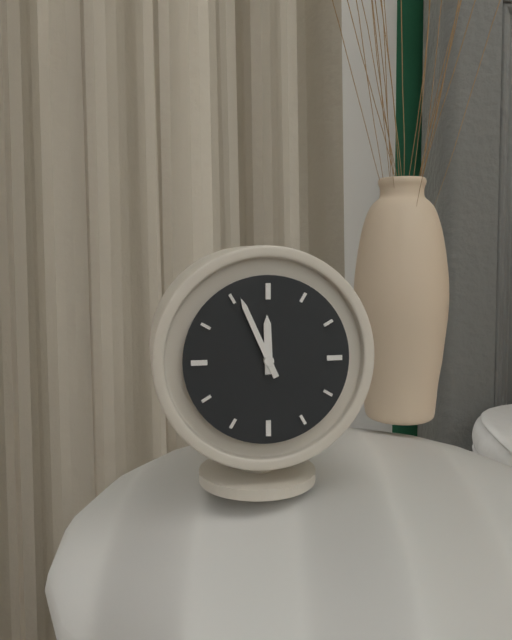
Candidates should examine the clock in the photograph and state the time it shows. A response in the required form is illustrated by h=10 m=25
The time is h=11 m=56
